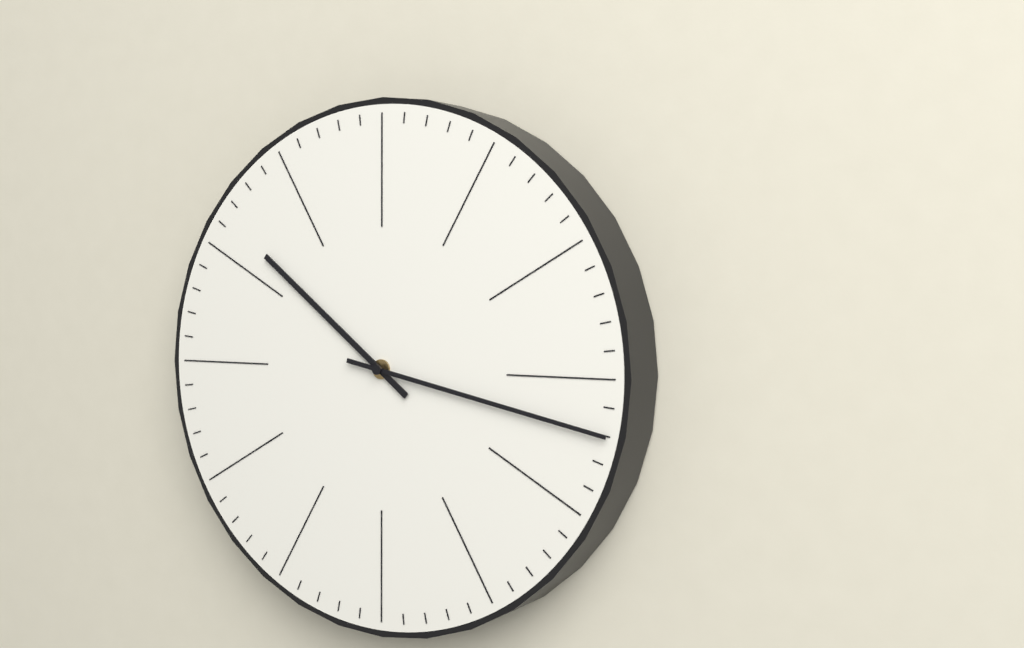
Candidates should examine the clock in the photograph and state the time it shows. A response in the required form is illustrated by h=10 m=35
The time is h=10 m=17
